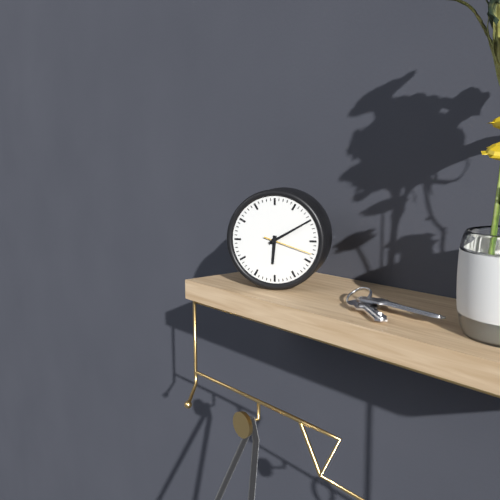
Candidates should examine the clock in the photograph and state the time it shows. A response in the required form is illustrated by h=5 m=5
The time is h=6 m=10
